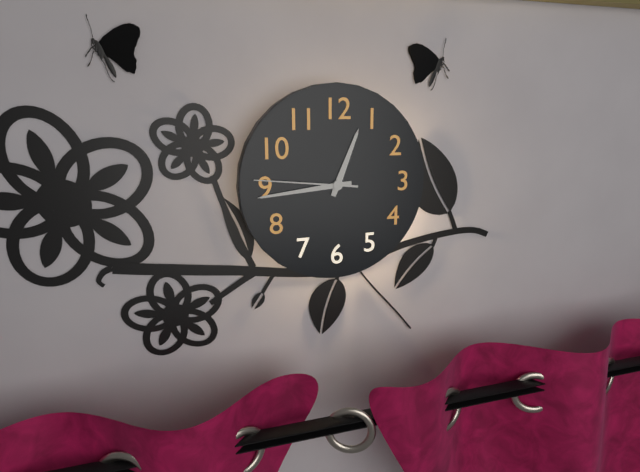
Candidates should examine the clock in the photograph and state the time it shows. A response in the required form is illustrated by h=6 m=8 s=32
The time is h=12 m=44 s=46
